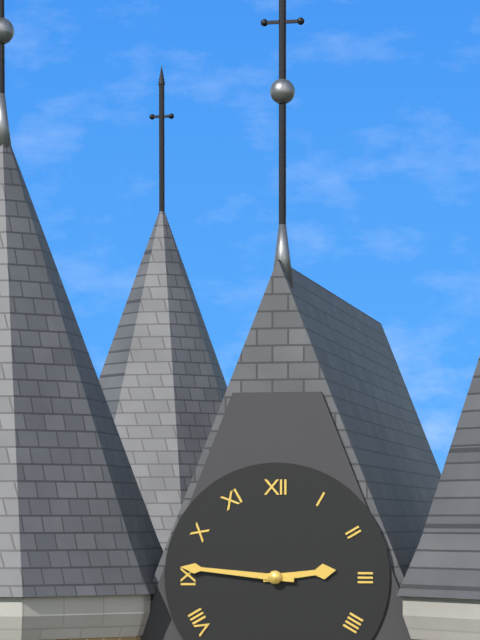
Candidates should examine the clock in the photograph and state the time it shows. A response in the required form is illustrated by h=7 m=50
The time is h=2 m=46
